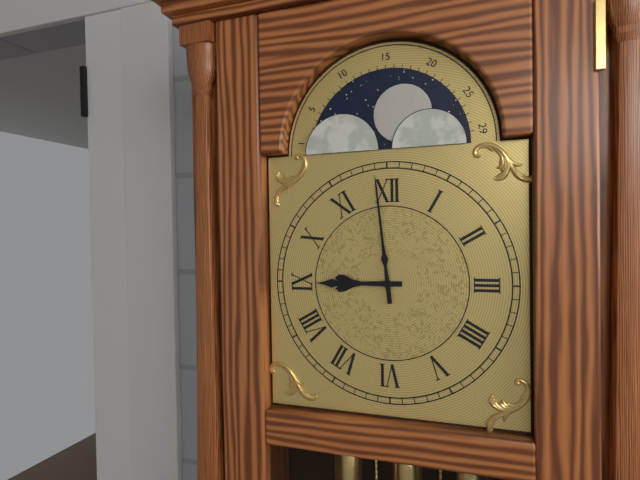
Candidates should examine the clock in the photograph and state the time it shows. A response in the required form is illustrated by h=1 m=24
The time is h=8 m=59
